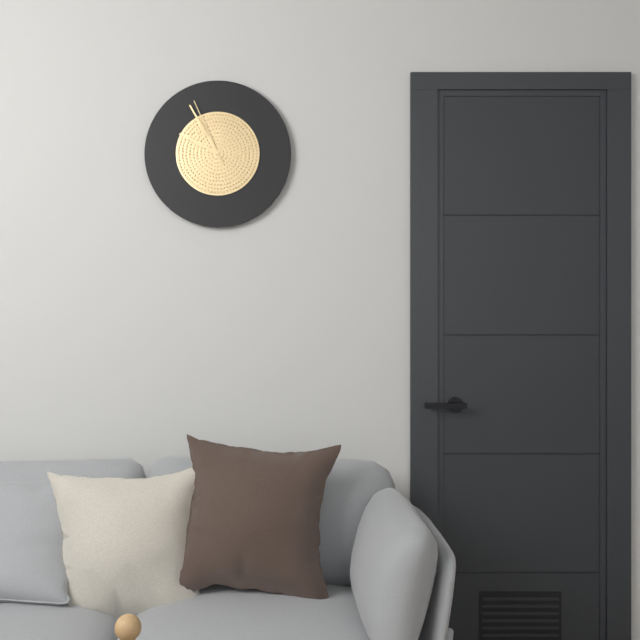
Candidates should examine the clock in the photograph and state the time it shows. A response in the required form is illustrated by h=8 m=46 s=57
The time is h=9 m=55 s=56
